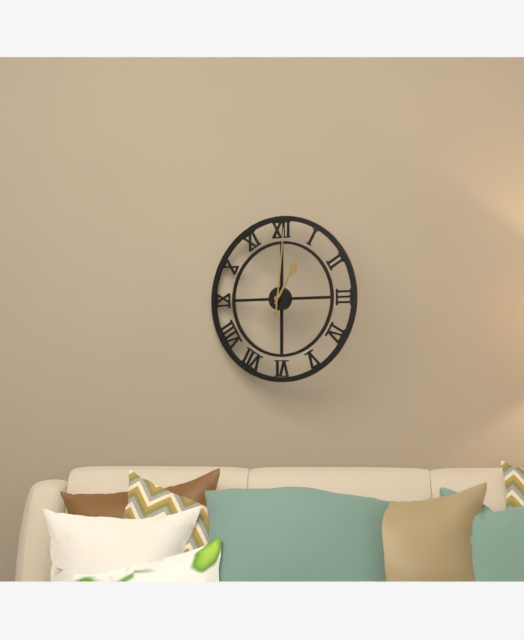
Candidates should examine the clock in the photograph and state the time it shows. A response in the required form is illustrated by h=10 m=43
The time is h=1 m=1
